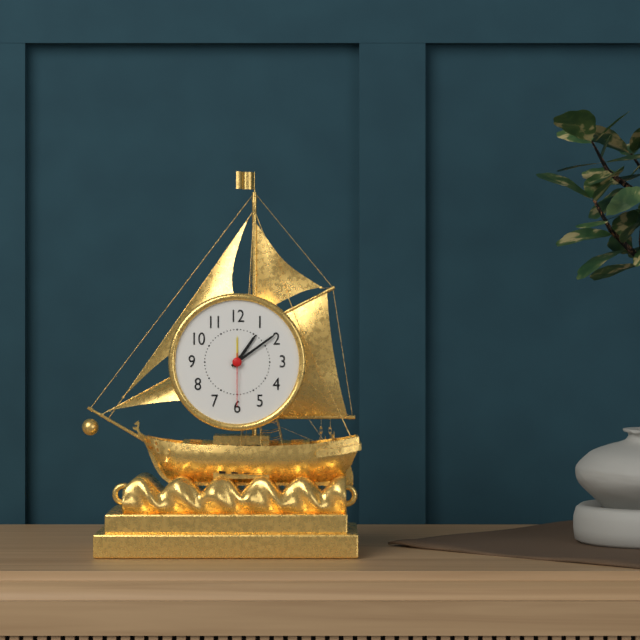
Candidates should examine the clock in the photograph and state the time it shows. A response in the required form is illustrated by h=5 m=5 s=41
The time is h=1 m=9 s=30
